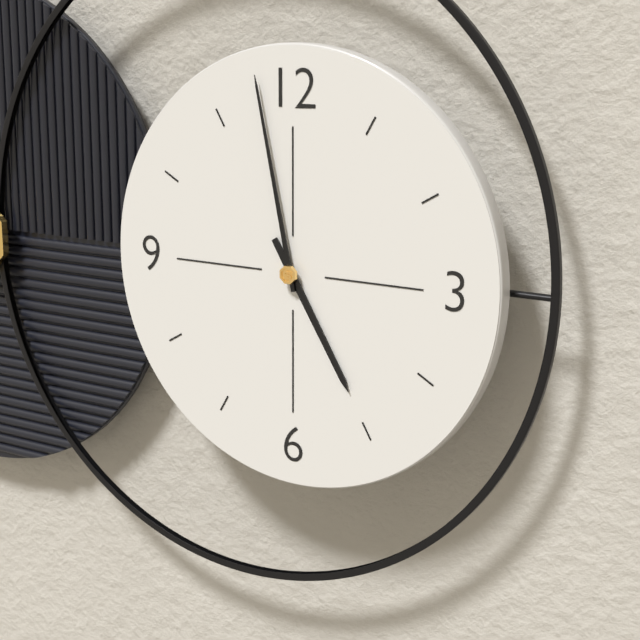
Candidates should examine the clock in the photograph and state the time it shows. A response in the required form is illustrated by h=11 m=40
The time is h=4 m=58
